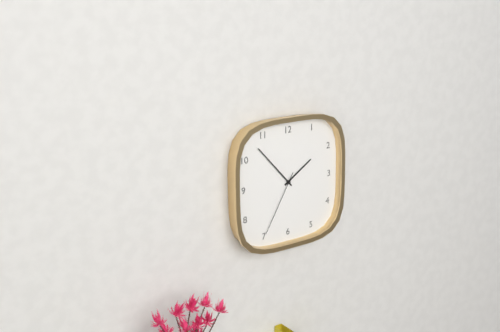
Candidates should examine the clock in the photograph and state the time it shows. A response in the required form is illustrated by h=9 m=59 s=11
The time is h=1 m=53 s=35
